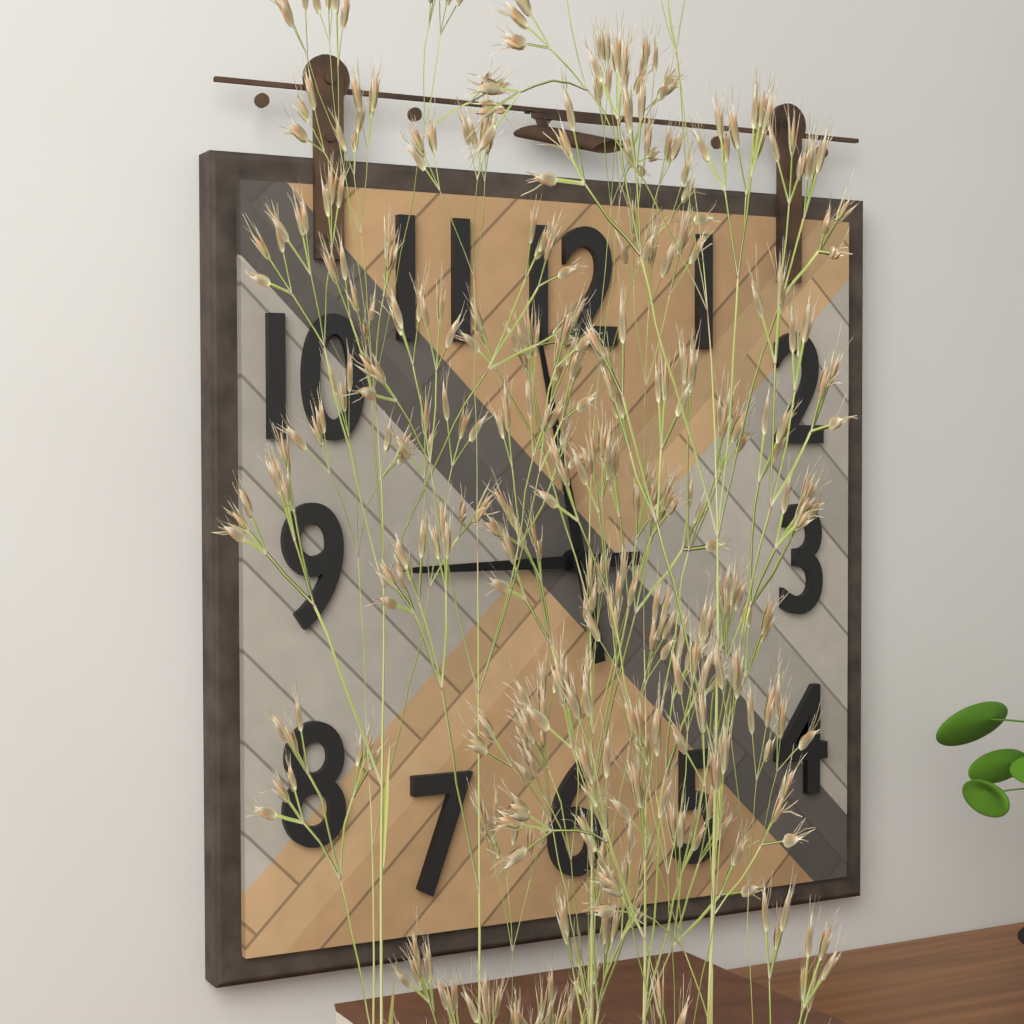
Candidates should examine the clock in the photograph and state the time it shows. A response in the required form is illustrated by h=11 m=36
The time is h=8 m=58
